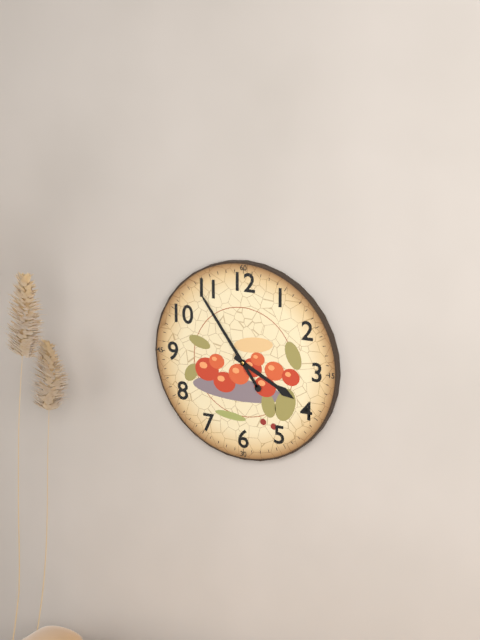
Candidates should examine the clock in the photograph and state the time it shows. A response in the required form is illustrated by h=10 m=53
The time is h=3 m=54
